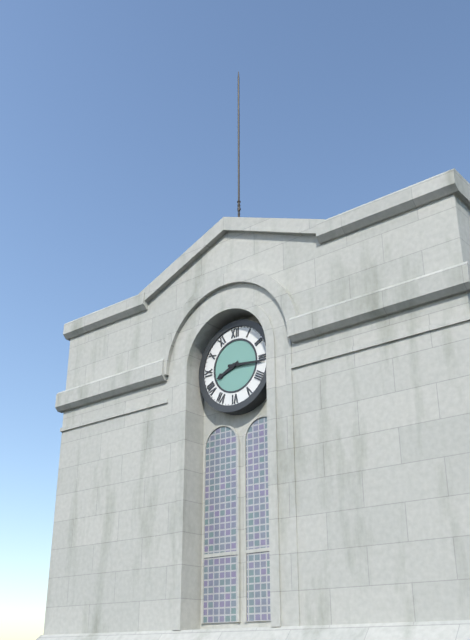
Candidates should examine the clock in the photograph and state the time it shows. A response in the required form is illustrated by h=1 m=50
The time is h=8 m=16
